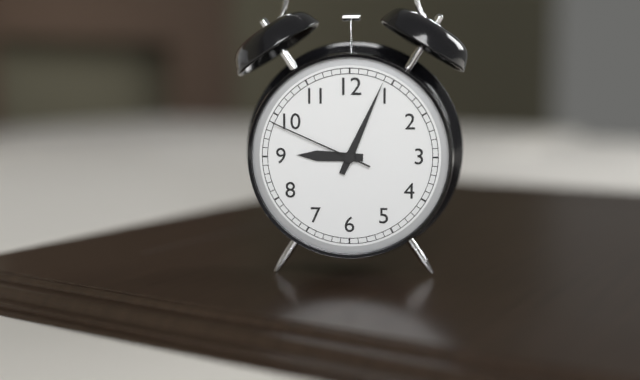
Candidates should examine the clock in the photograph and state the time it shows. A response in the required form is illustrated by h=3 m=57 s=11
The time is h=9 m=4 s=49
